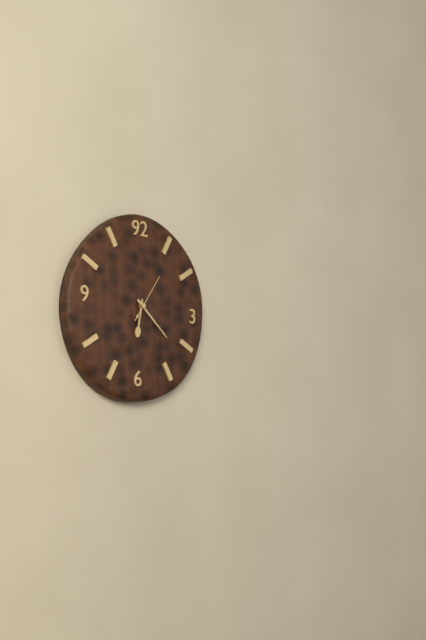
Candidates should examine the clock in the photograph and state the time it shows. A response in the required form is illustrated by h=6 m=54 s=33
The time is h=6 m=22 s=6
